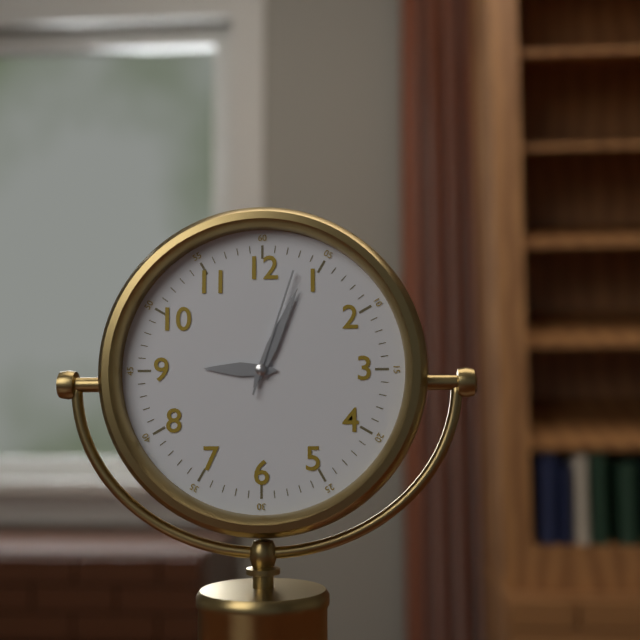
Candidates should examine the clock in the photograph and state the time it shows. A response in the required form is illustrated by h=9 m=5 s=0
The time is h=9 m=4 s=3
